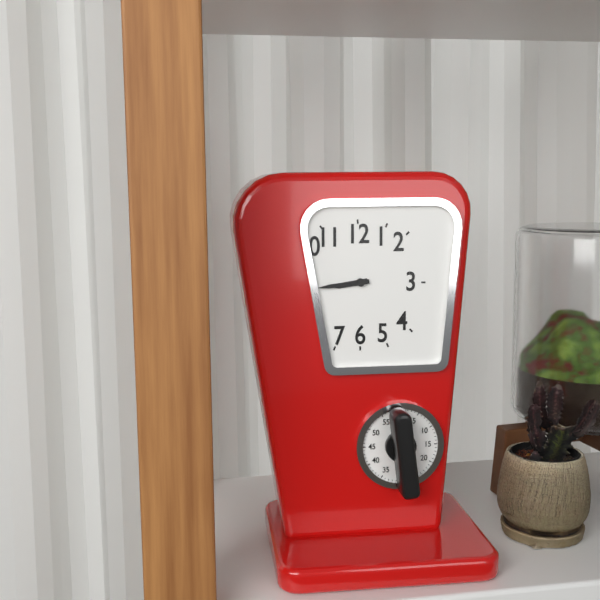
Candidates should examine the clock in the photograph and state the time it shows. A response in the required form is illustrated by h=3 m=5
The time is h=8 m=44
